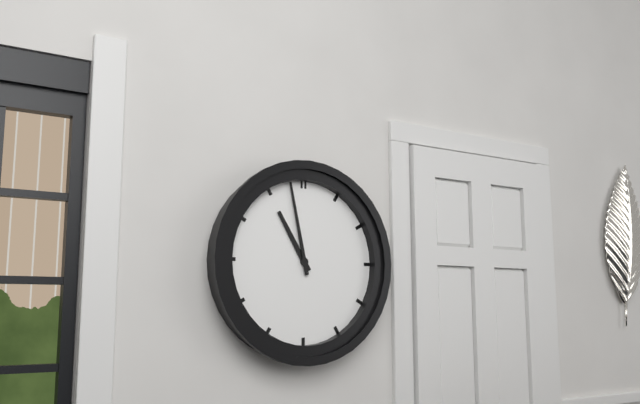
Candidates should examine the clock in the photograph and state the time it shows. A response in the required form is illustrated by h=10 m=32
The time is h=10 m=58
